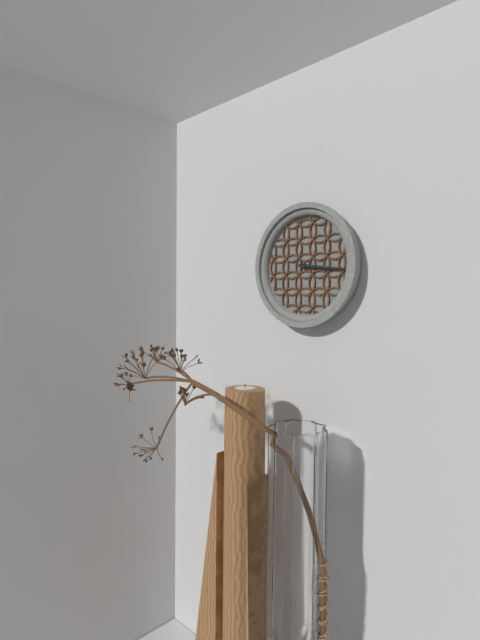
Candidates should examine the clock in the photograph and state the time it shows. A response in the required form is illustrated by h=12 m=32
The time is h=3 m=16
